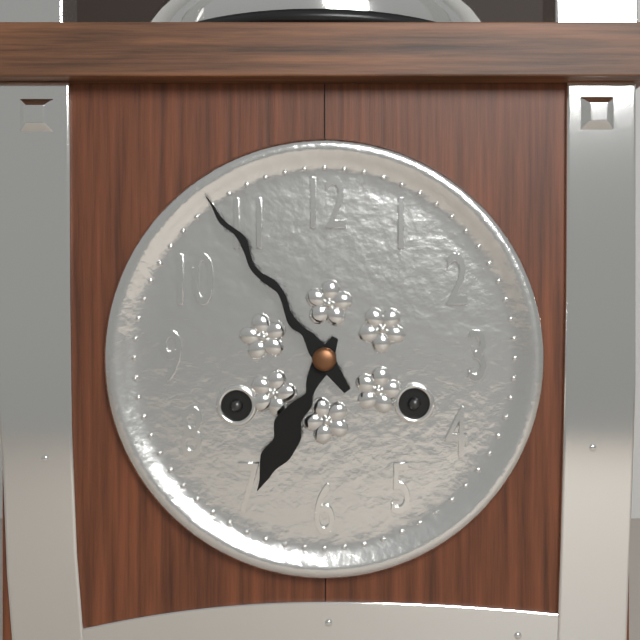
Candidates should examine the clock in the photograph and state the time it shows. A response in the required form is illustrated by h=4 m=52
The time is h=6 m=54
